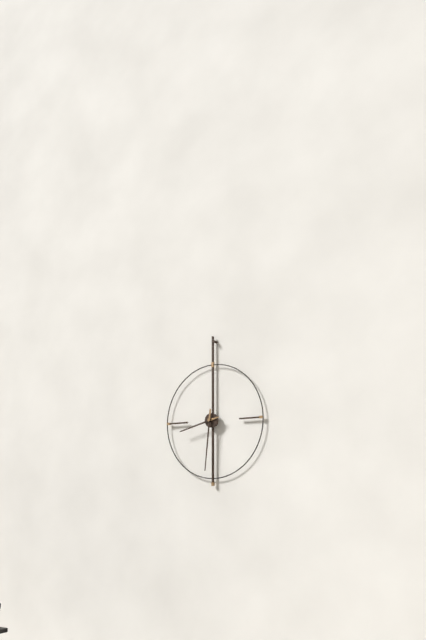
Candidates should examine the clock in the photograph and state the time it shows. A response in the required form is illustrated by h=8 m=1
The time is h=8 m=31
